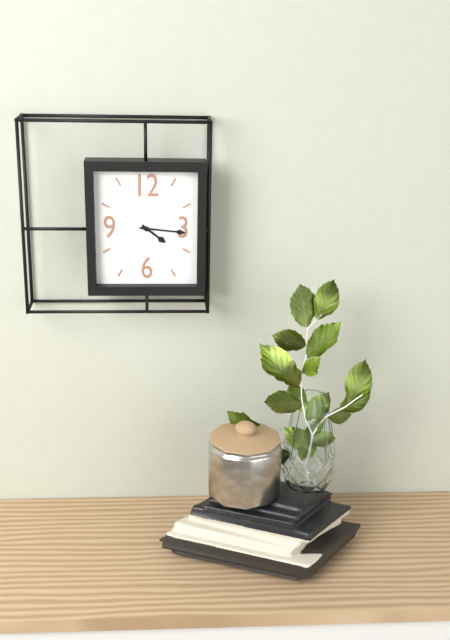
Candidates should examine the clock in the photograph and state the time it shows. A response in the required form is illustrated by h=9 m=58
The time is h=4 m=16
